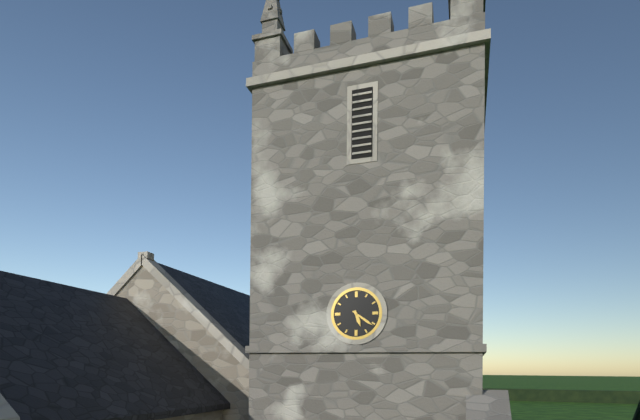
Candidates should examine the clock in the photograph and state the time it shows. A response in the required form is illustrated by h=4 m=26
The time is h=5 m=21
